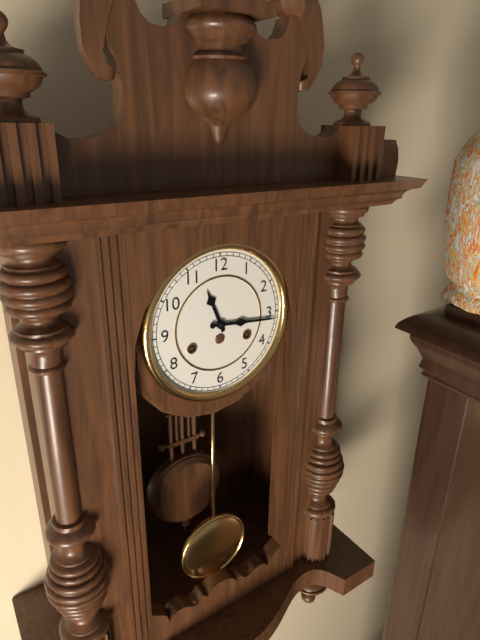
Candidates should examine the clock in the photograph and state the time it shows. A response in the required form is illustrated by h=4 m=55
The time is h=11 m=16
